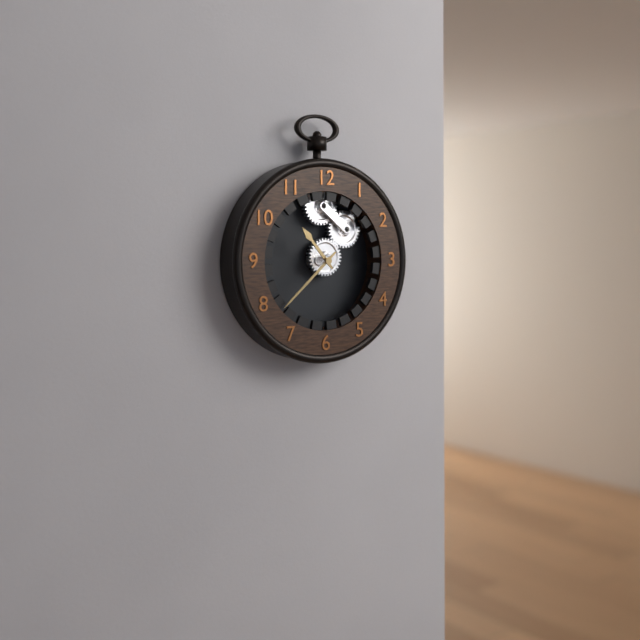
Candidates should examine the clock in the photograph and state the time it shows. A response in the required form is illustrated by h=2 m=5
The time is h=10 m=38
